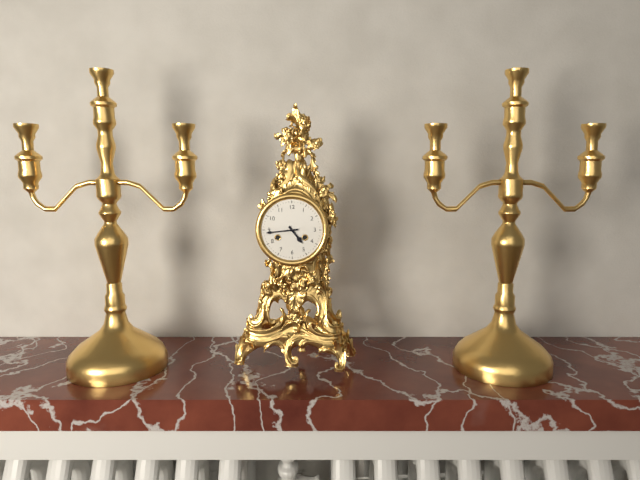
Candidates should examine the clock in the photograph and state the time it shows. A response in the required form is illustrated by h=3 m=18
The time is h=4 m=44
